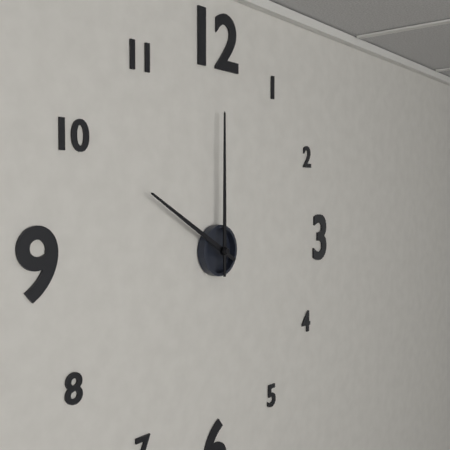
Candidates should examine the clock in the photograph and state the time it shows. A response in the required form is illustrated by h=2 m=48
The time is h=10 m=0
